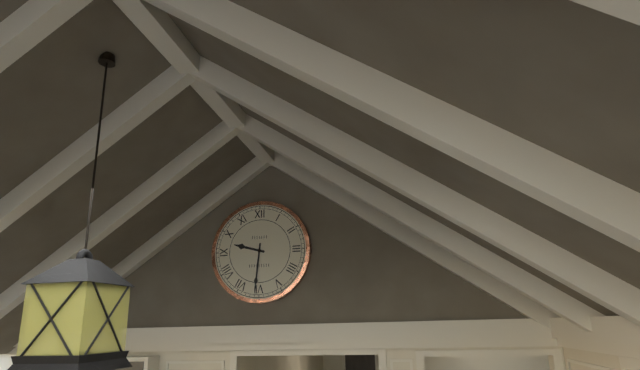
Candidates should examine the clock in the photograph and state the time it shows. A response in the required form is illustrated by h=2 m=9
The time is h=9 m=31
